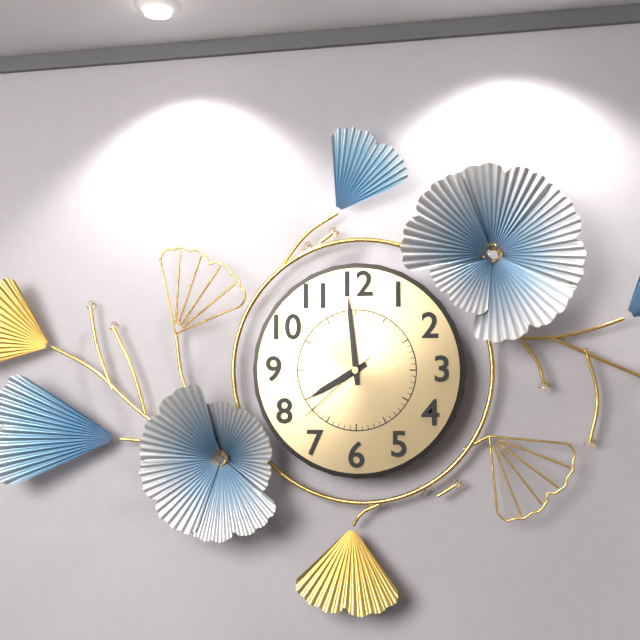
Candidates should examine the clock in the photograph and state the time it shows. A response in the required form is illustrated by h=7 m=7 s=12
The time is h=7 m=59 s=38
